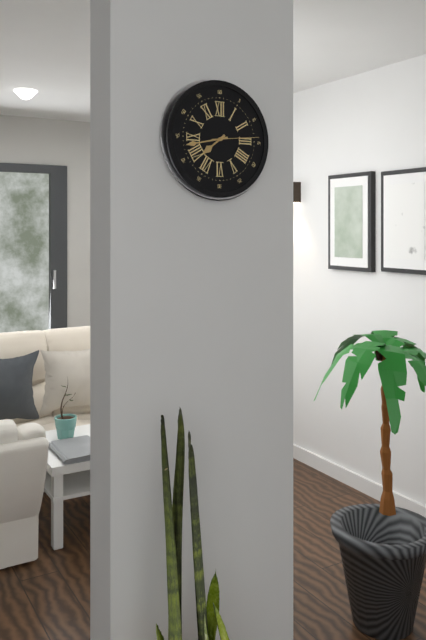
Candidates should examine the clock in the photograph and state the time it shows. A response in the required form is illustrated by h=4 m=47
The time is h=7 m=43
